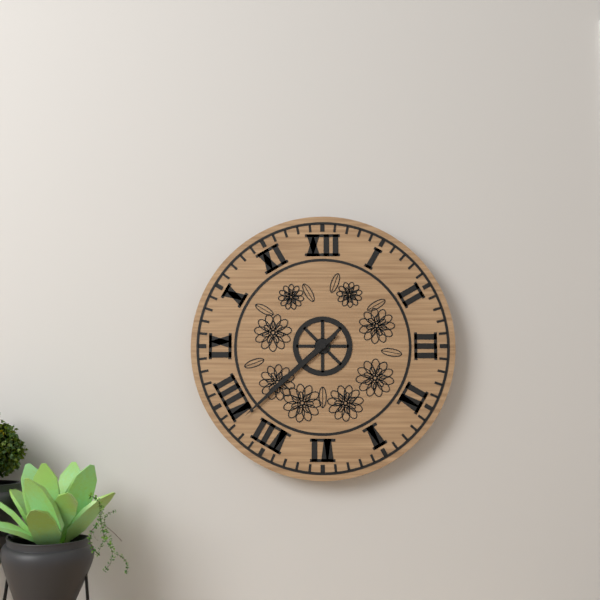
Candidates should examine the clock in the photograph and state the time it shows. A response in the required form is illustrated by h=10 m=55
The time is h=7 m=38
